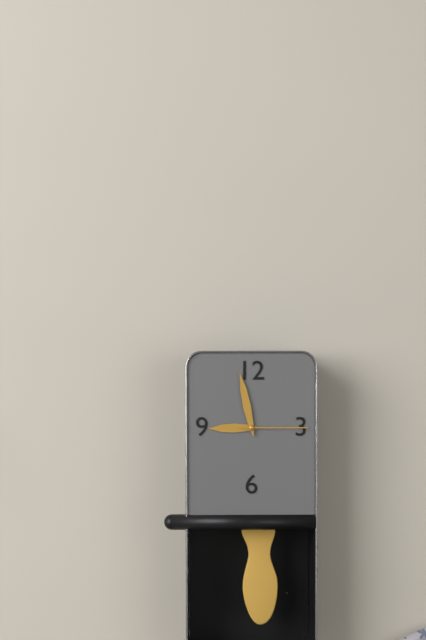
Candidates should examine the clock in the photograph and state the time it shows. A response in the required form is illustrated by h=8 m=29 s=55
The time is h=8 m=58 s=15
